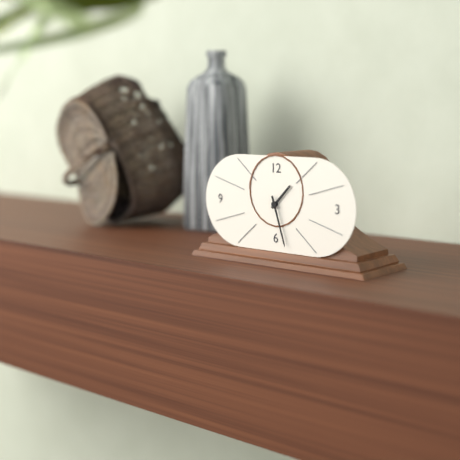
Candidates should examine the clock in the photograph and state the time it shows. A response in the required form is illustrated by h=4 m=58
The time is h=1 m=27
